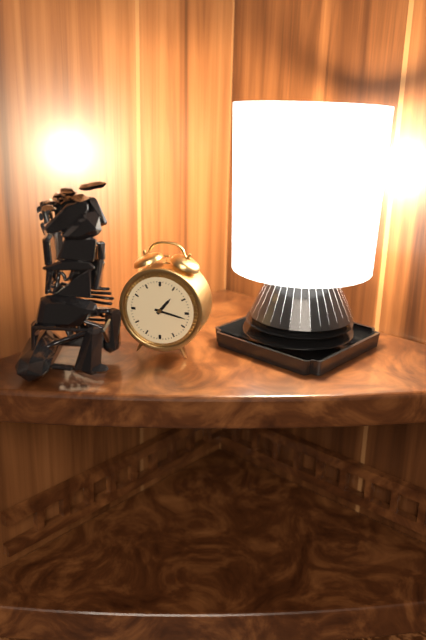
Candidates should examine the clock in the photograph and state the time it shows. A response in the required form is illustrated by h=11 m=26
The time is h=1 m=17
